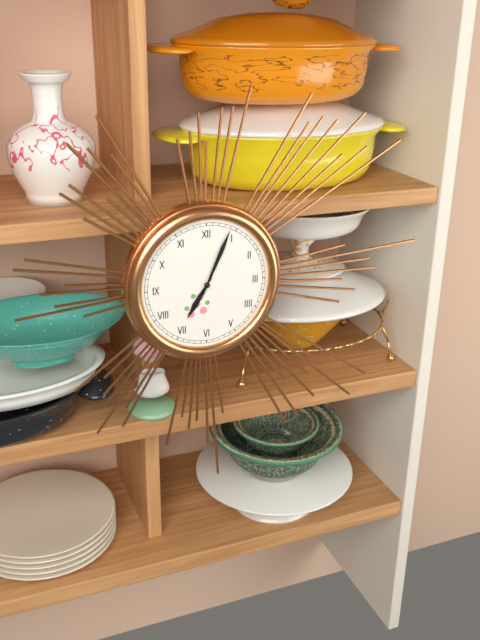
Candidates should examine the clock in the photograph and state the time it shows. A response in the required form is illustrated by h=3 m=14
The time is h=7 m=4
